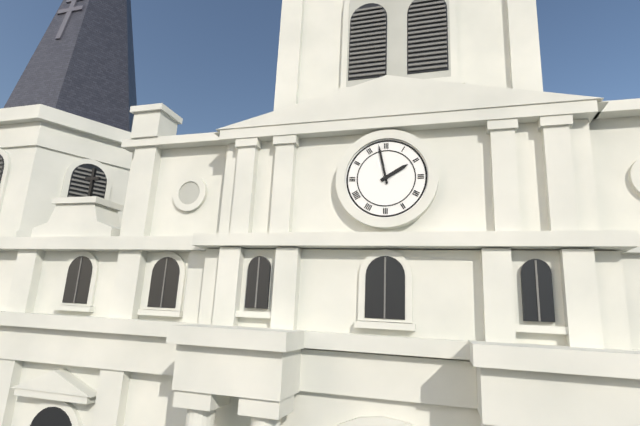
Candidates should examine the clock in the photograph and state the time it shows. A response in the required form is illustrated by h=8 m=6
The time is h=1 m=58
